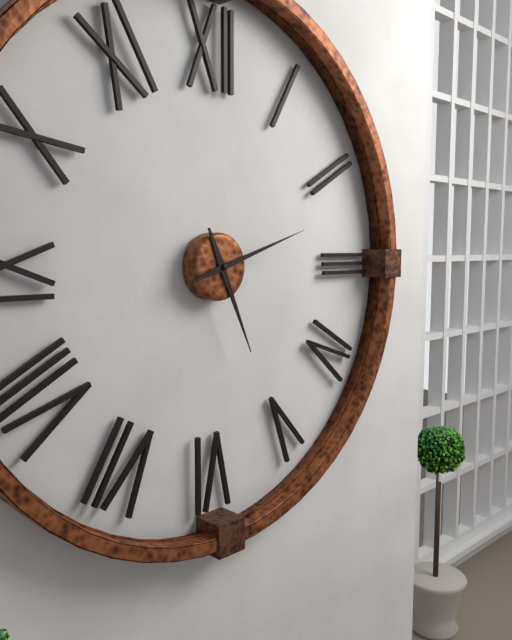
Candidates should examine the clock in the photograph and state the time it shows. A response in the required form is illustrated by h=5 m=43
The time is h=5 m=12
